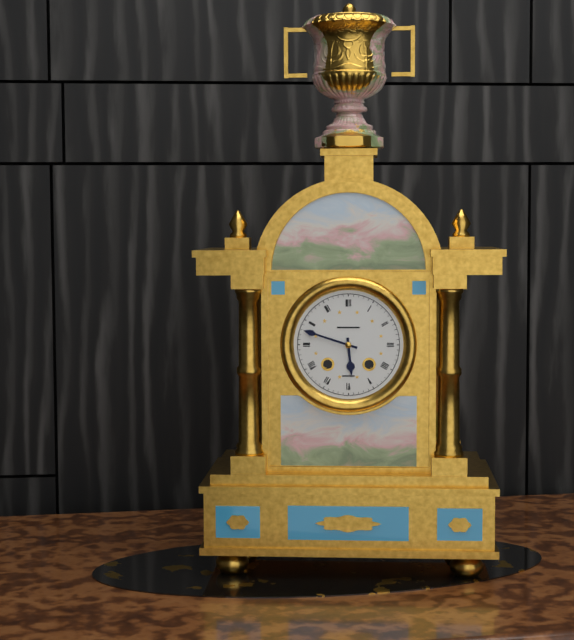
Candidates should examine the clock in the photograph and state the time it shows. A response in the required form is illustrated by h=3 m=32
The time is h=5 m=48
